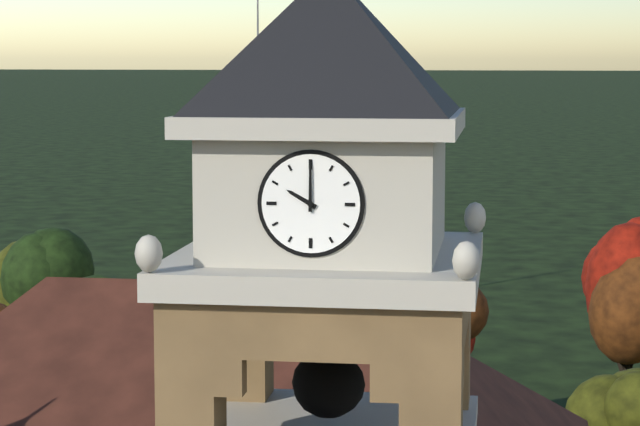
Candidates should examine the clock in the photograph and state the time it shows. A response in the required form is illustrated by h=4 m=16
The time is h=10 m=0
